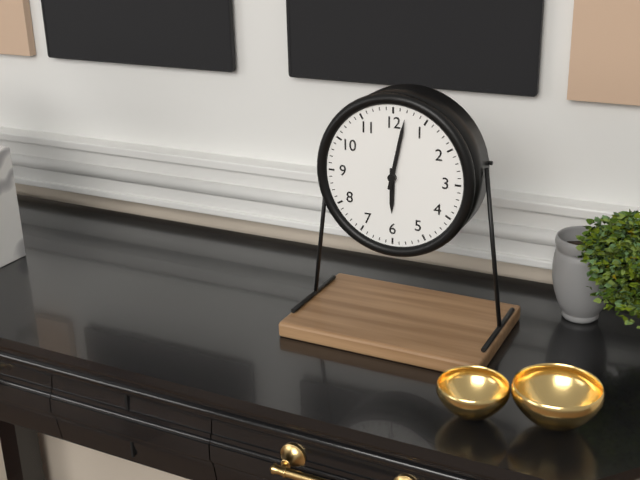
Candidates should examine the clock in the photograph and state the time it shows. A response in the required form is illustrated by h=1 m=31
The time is h=6 m=2
